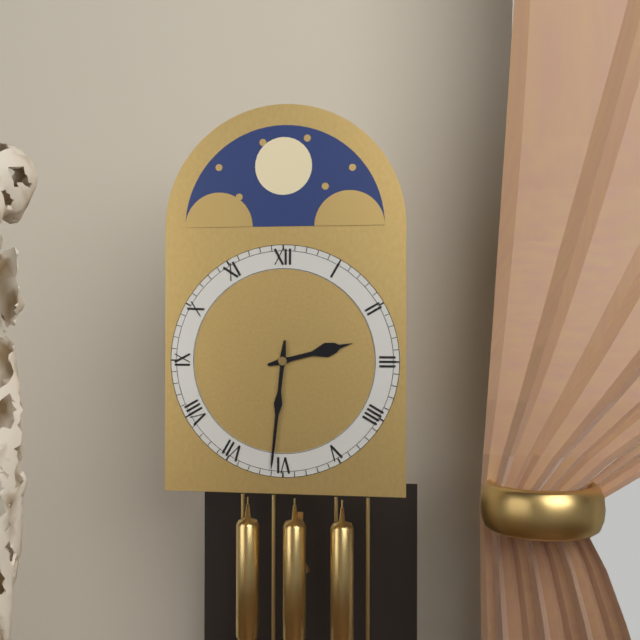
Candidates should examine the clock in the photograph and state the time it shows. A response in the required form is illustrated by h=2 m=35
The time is h=2 m=31
